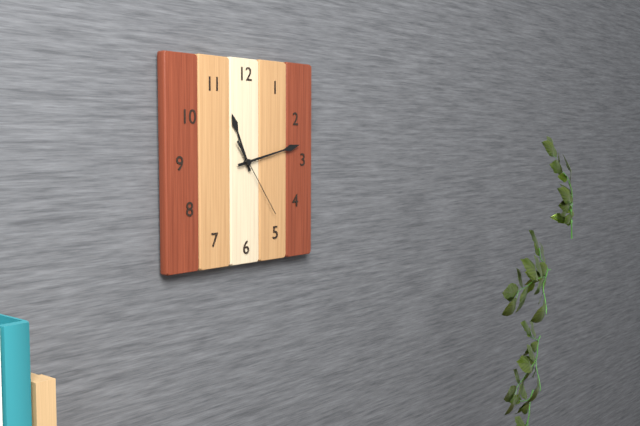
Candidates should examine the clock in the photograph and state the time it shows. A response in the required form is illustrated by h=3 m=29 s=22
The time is h=11 m=13 s=24
